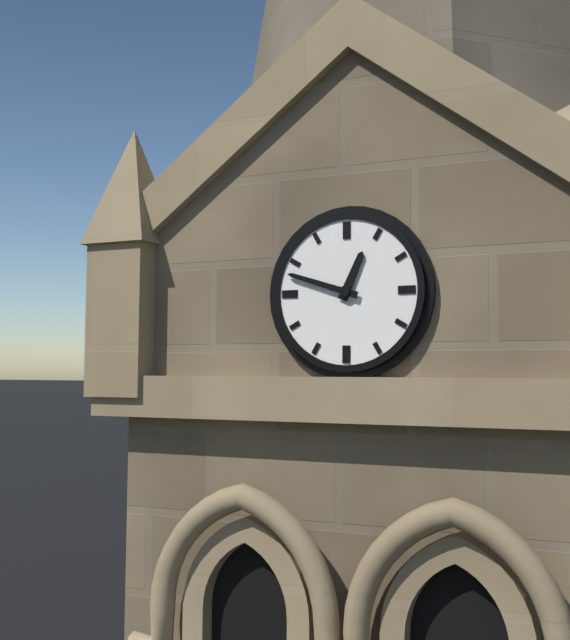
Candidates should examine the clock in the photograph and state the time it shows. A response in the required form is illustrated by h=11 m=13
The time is h=12 m=48
